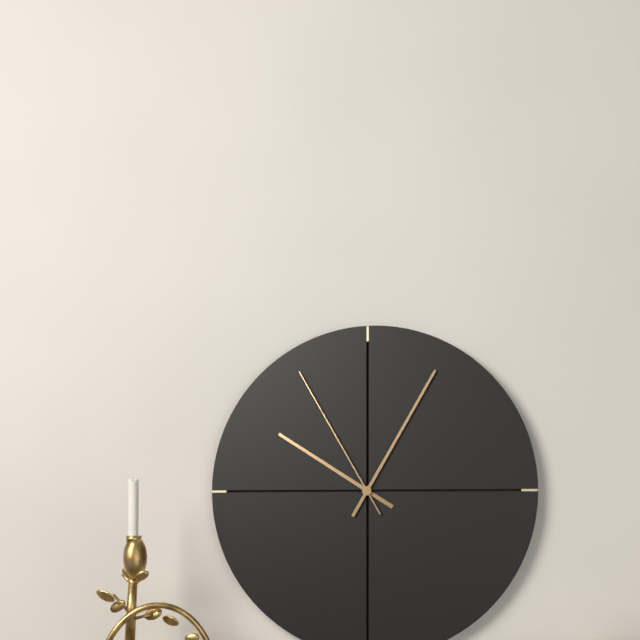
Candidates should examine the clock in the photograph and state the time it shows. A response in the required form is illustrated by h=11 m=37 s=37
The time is h=10 m=5 s=55
